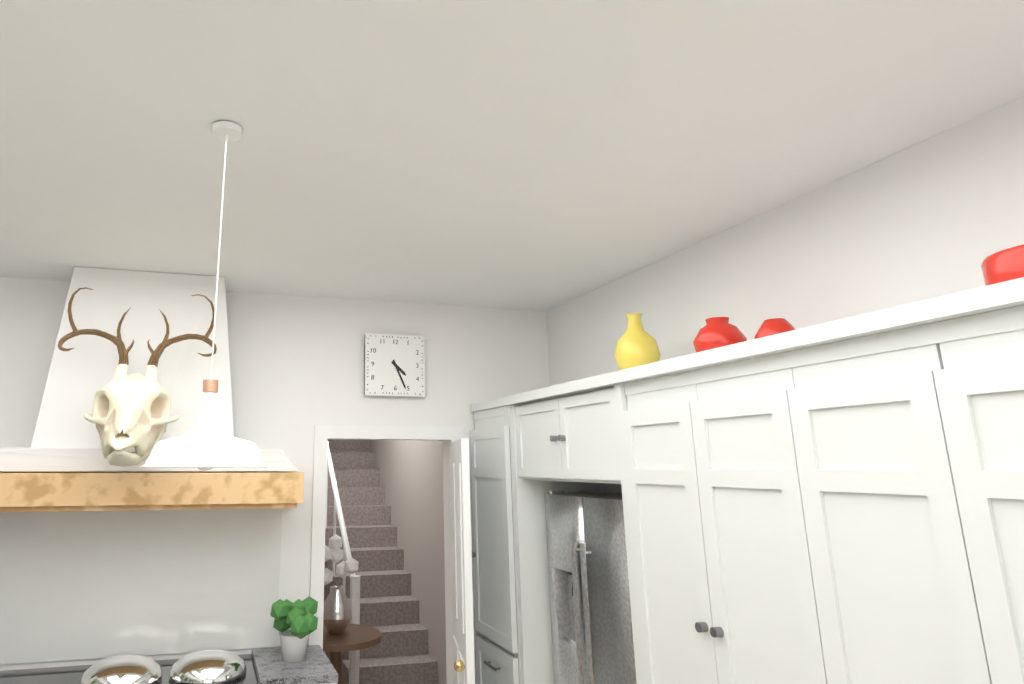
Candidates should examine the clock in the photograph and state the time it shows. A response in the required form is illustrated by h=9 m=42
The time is h=4 m=26
